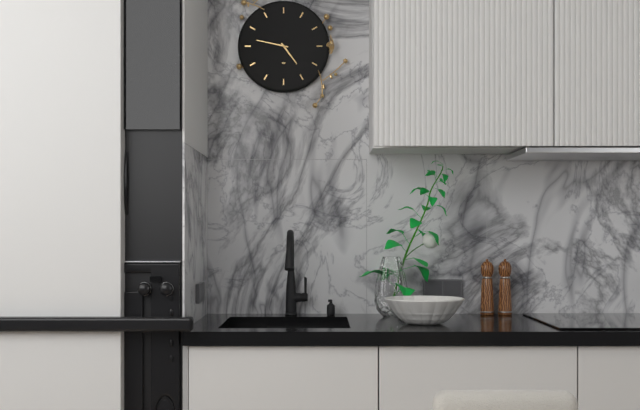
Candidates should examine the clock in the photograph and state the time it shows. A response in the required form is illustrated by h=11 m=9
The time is h=4 m=47
